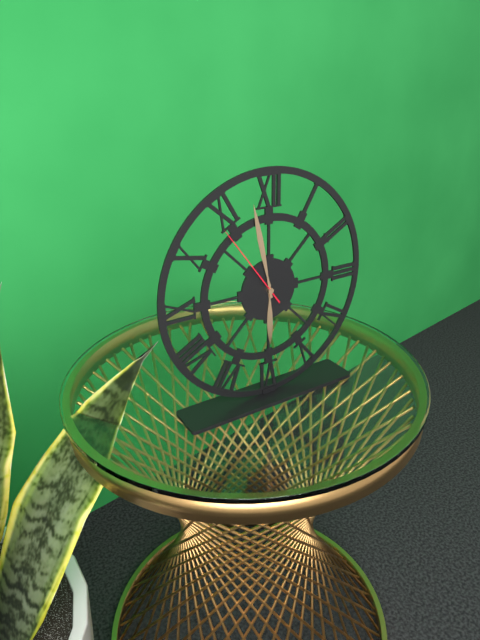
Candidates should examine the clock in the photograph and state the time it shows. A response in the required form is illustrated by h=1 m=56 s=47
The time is h=5 m=58 s=54
